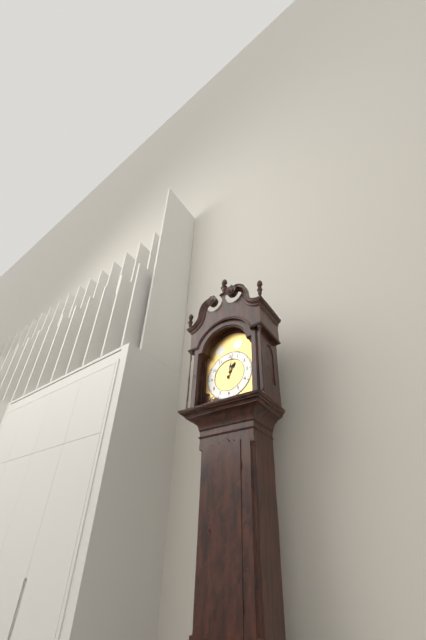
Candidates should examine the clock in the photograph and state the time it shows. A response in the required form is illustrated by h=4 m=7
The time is h=1 m=2
